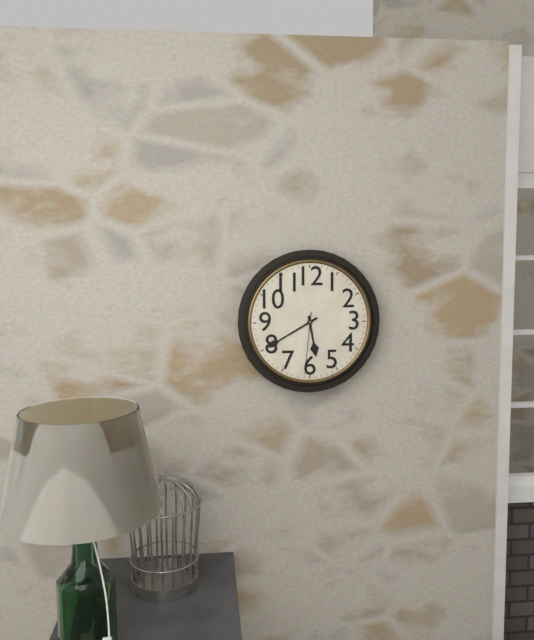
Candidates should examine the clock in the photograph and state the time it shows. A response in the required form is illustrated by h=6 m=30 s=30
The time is h=5 m=40 s=31
